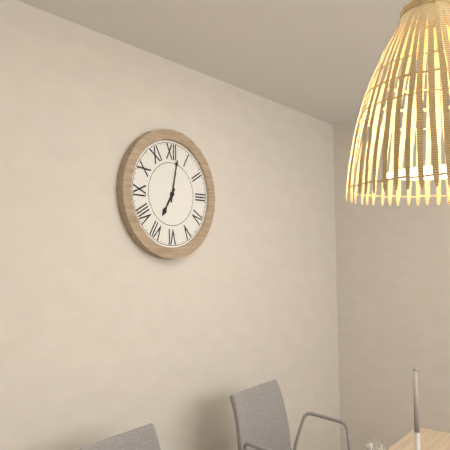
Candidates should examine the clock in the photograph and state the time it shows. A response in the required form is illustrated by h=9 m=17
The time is h=7 m=2
